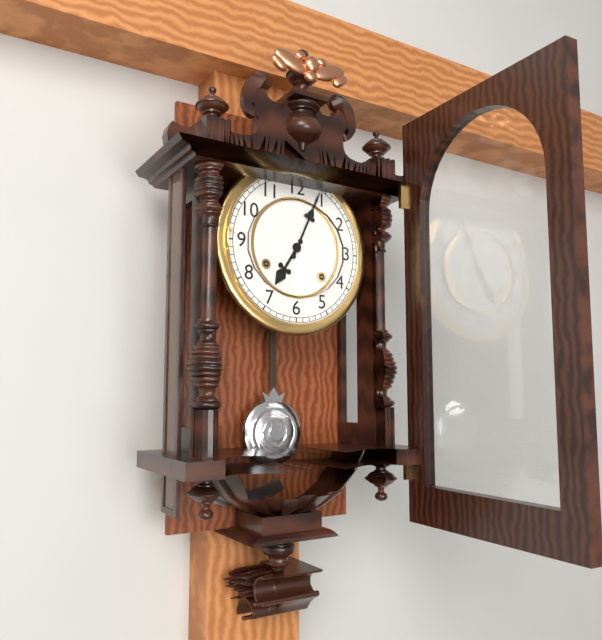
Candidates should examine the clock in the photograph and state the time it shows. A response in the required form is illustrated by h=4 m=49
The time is h=7 m=4
